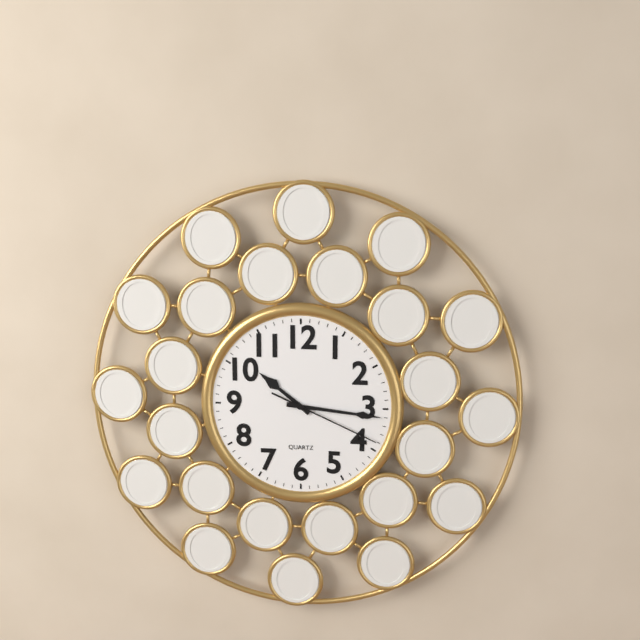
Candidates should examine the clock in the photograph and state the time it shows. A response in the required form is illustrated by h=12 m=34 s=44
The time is h=10 m=16 s=19
